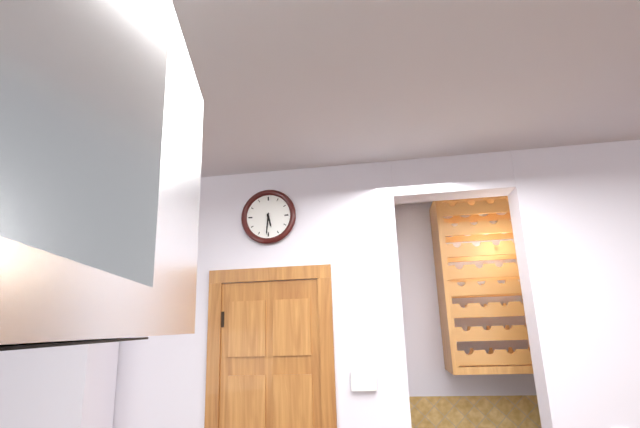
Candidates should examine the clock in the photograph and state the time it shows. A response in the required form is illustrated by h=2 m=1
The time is h=5 m=31
